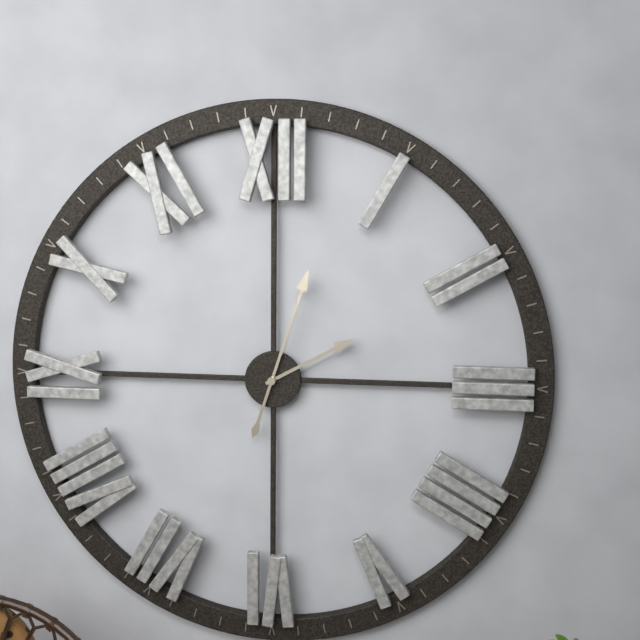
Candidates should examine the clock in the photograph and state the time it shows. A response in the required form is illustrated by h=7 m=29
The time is h=2 m=3
